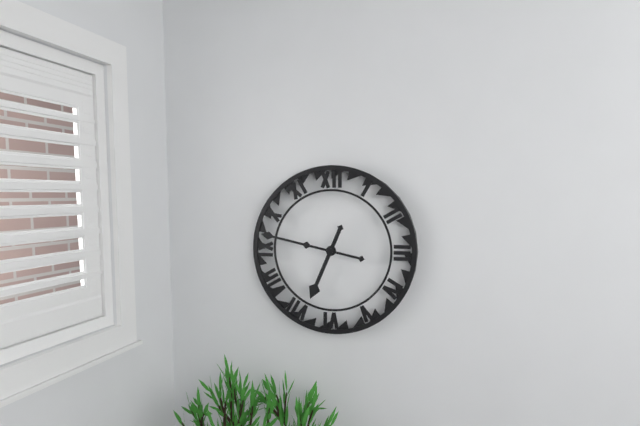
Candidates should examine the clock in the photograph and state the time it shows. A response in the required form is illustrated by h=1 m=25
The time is h=6 m=47
